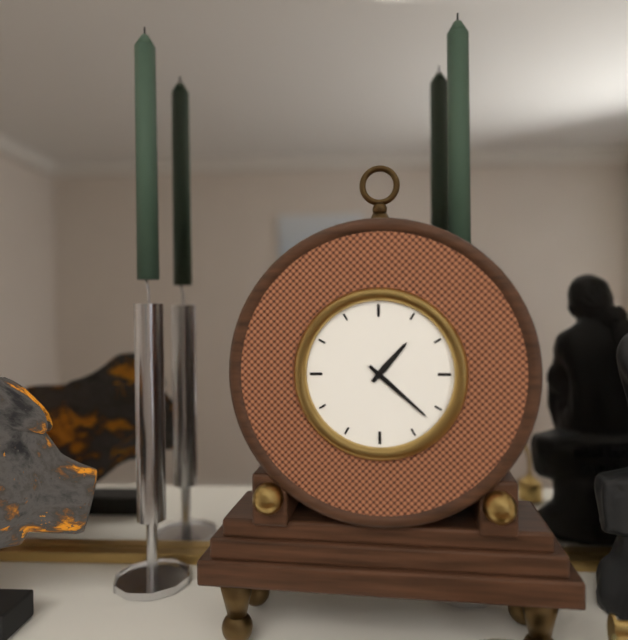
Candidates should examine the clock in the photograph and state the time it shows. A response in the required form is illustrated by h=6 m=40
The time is h=1 m=22
